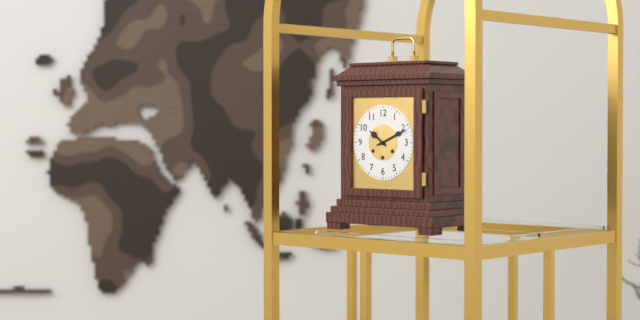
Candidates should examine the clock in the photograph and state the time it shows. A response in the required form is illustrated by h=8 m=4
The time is h=10 m=11
